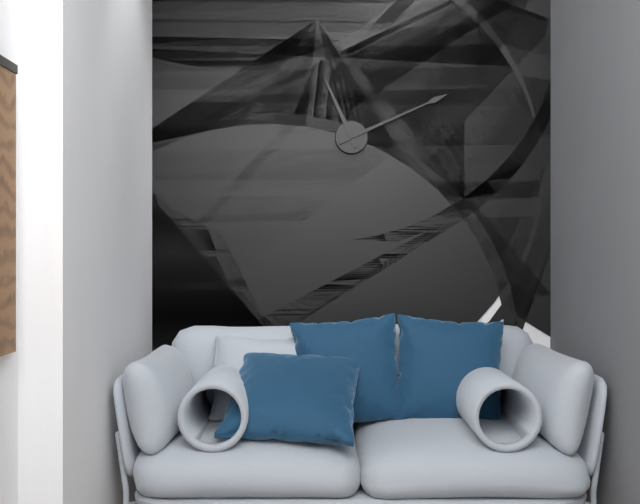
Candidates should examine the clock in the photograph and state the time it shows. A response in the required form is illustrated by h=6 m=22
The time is h=11 m=11
